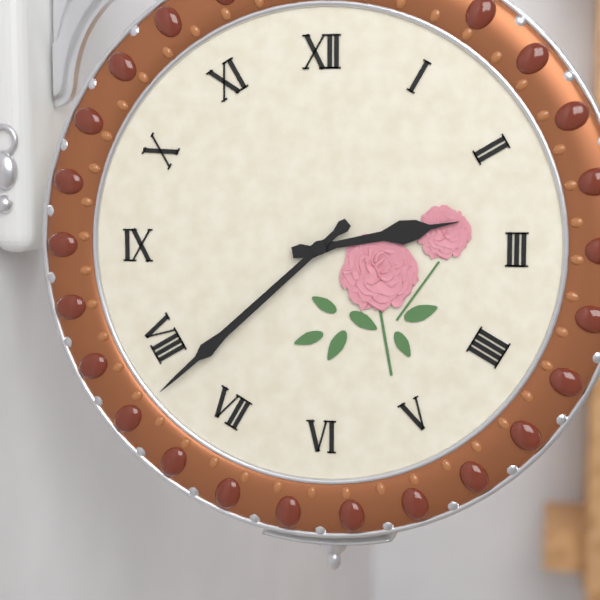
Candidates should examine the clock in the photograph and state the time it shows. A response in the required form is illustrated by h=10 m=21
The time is h=2 m=38
